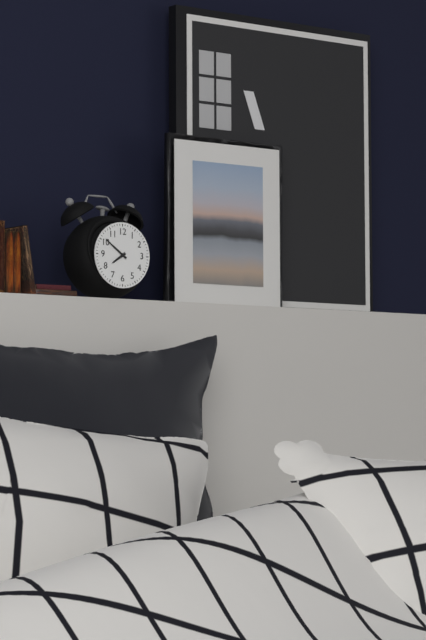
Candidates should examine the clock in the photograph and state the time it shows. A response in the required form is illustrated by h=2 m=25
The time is h=7 m=51
